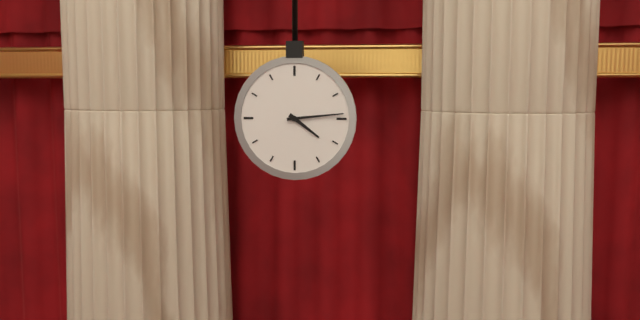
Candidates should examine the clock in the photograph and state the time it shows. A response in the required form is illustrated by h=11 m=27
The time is h=4 m=14
